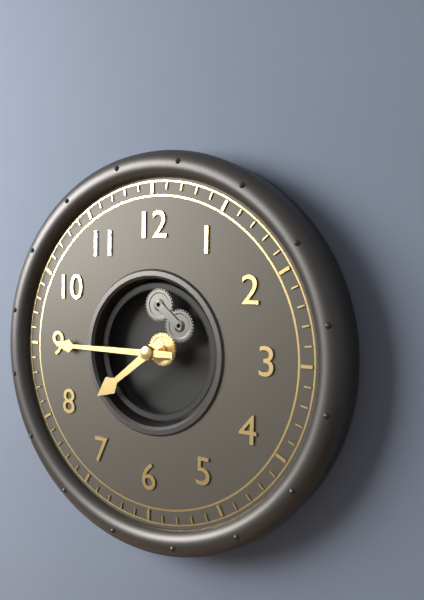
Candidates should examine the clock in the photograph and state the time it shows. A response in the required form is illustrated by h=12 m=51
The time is h=7 m=45
